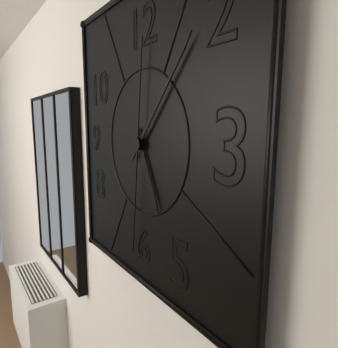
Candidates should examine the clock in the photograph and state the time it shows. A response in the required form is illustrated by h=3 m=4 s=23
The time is h=5 m=7 s=31
